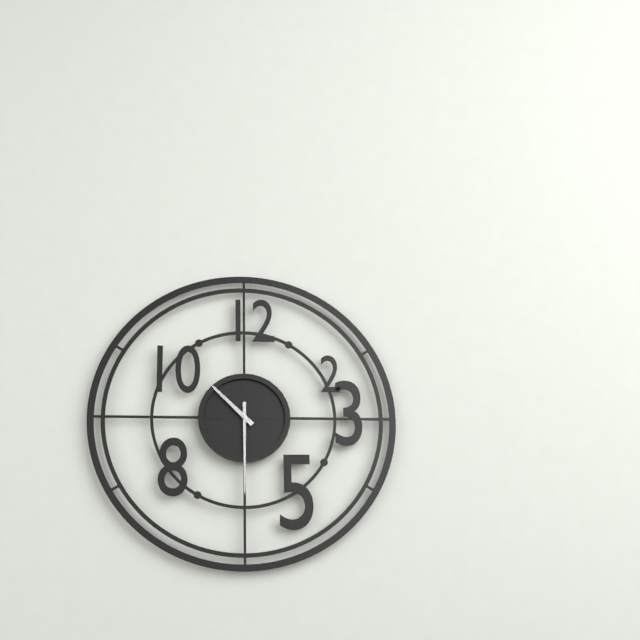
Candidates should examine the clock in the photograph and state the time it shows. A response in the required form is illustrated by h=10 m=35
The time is h=10 m=30
